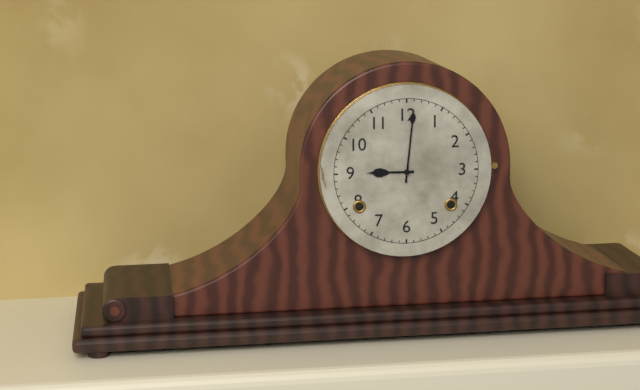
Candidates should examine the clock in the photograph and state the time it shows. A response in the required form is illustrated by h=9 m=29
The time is h=9 m=1
